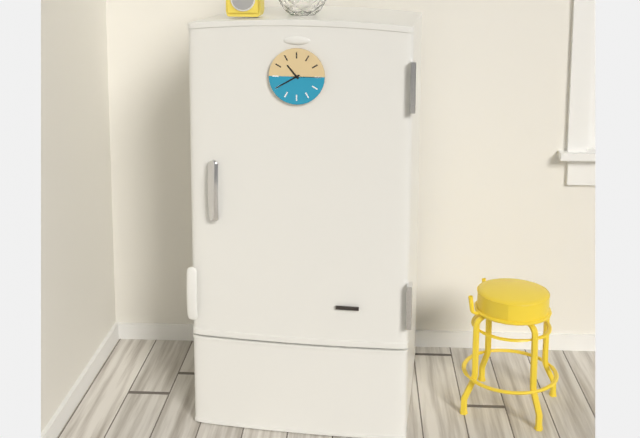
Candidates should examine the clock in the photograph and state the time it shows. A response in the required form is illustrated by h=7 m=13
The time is h=10 m=40
